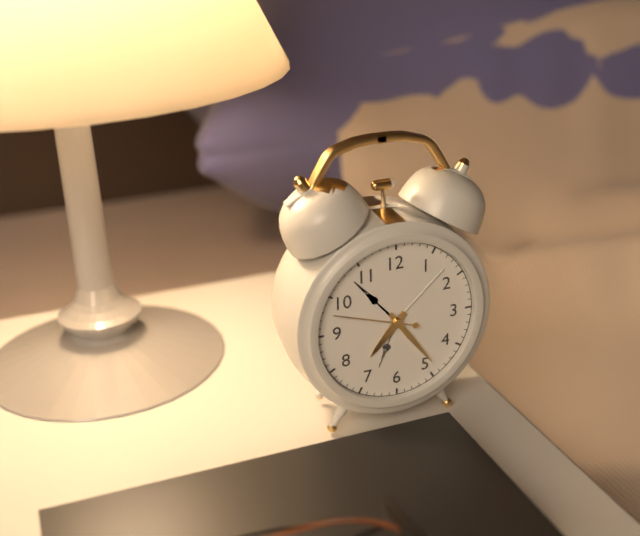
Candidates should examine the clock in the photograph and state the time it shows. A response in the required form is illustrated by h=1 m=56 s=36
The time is h=7 m=24 s=48
